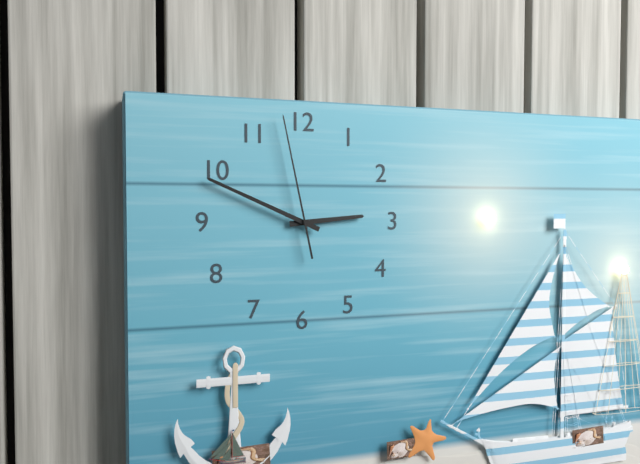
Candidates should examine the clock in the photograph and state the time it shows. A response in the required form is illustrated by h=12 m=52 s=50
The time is h=2 m=49 s=58
